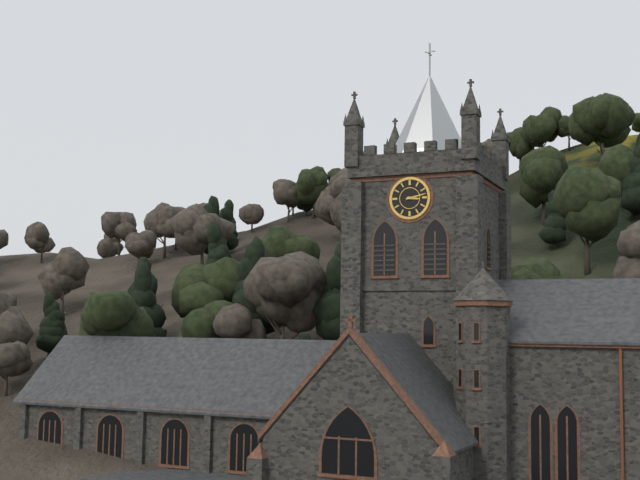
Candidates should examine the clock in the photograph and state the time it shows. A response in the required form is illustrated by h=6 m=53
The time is h=3 m=13
